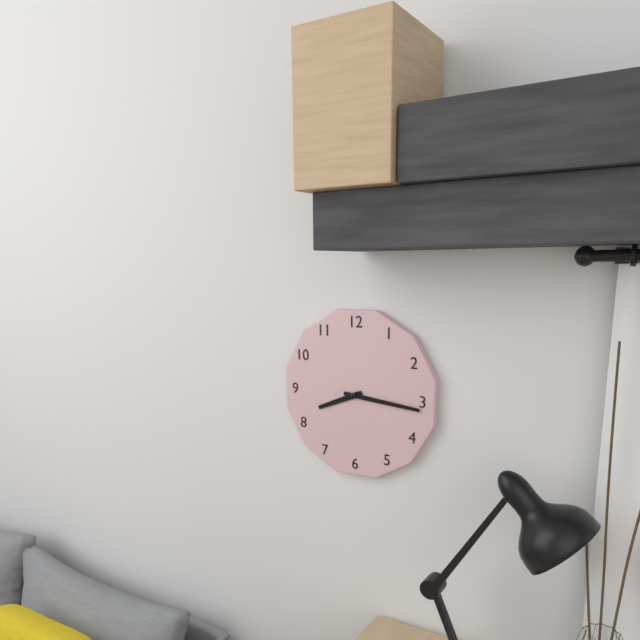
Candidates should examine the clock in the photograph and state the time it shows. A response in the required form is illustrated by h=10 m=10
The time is h=8 m=16
